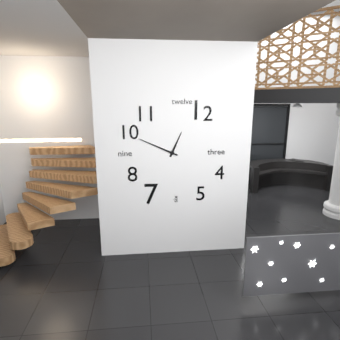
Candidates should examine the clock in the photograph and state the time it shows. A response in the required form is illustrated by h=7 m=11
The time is h=12 m=49
